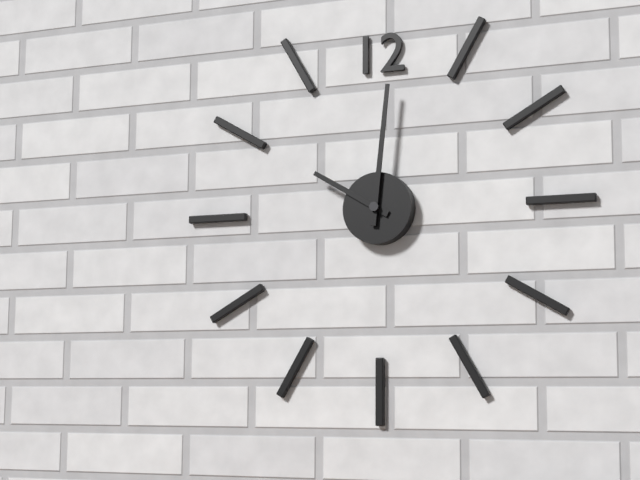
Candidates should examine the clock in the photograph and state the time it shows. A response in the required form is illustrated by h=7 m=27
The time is h=10 m=1
